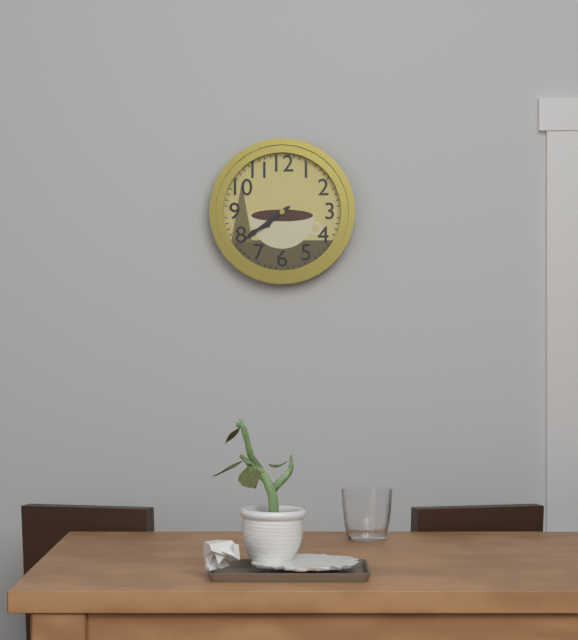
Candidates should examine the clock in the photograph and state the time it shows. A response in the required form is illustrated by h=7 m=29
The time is h=7 m=39
